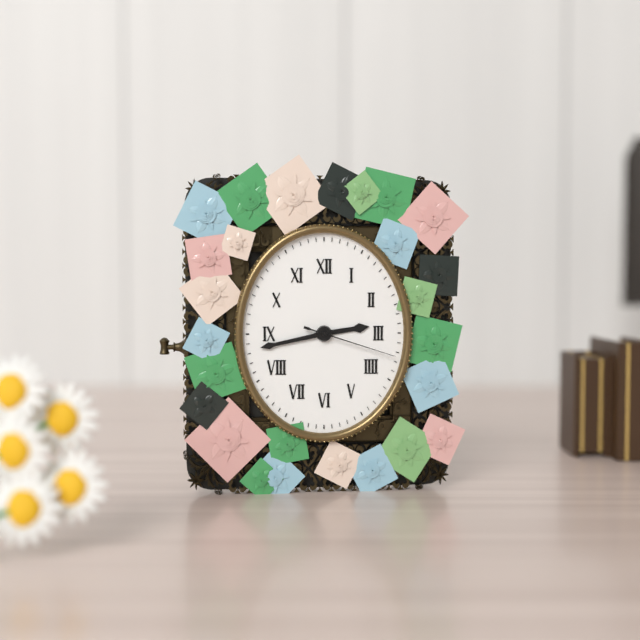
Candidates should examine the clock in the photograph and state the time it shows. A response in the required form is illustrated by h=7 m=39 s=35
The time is h=2 m=43 s=18
